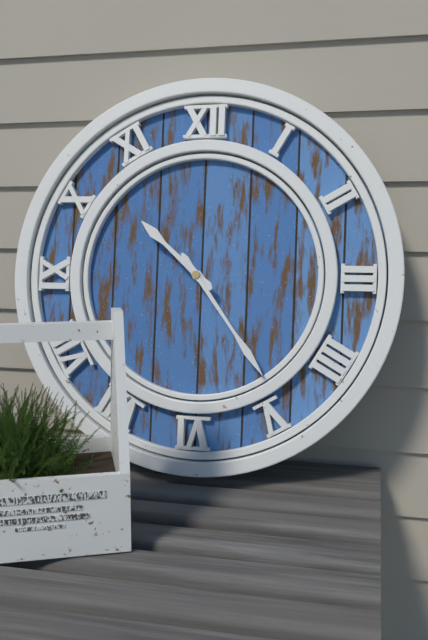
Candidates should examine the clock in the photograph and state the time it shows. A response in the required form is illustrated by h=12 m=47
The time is h=10 m=24
